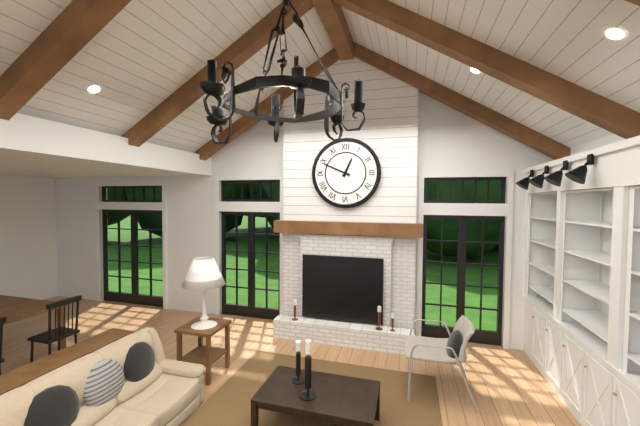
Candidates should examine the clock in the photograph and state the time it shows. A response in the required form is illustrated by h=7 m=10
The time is h=12 m=49
